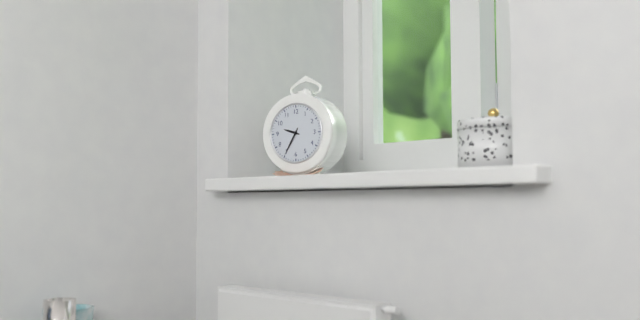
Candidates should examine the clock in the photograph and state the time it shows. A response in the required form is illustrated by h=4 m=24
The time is h=9 m=35
